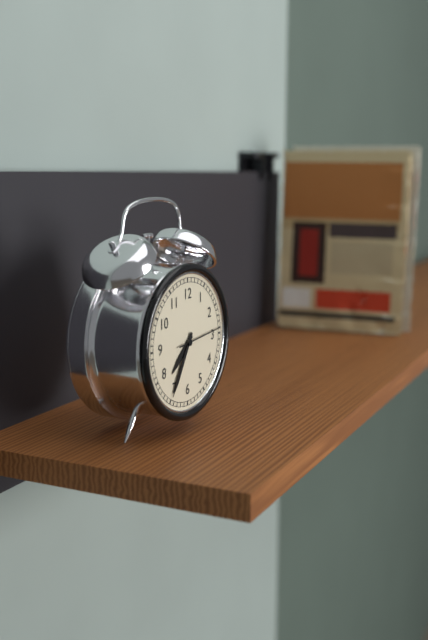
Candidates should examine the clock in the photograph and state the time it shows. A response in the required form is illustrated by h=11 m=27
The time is h=7 m=35
